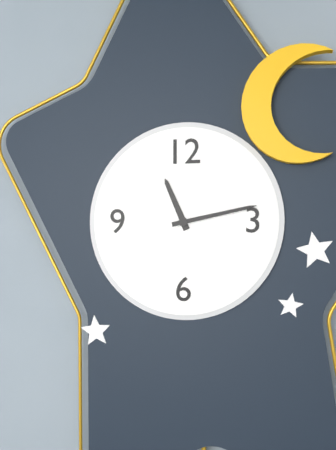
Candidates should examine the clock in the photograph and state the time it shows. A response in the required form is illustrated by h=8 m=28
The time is h=11 m=13
